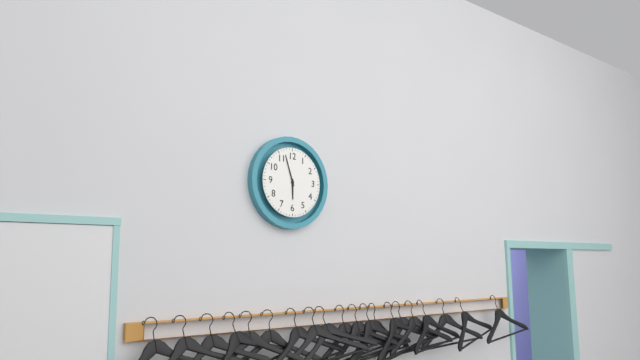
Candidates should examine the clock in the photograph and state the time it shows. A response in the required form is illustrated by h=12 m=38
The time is h=5 m=57
